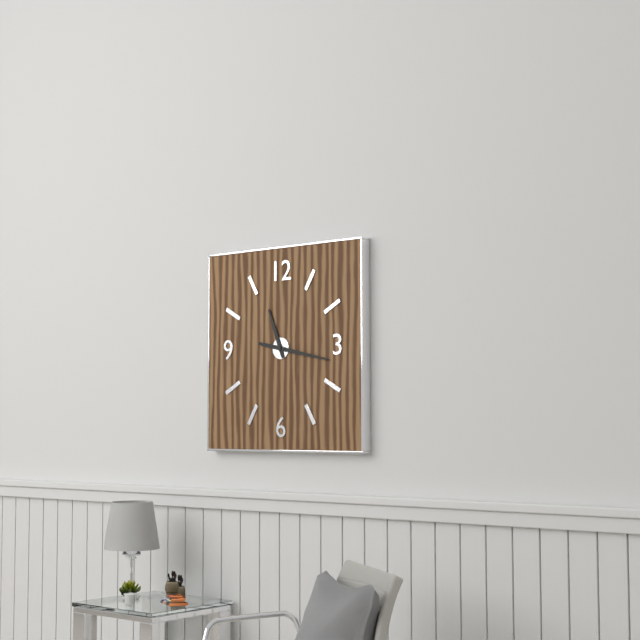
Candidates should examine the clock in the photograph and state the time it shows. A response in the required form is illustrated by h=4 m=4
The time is h=11 m=17
